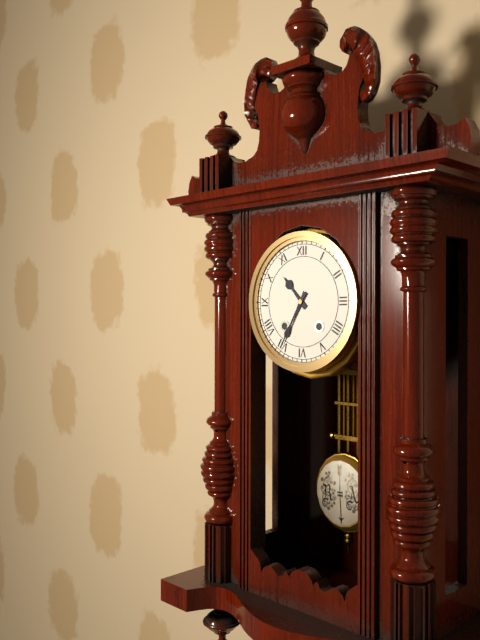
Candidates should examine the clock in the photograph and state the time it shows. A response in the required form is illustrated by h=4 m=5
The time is h=10 m=35
